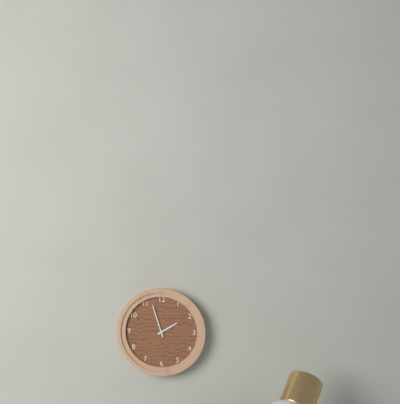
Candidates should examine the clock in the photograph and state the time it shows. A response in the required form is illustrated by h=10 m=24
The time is h=1 m=57
